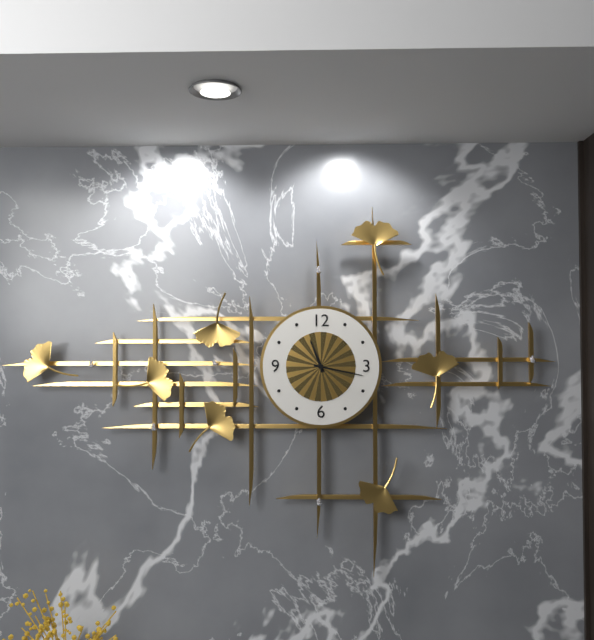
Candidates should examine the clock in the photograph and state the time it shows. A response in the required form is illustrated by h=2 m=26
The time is h=11 m=17
